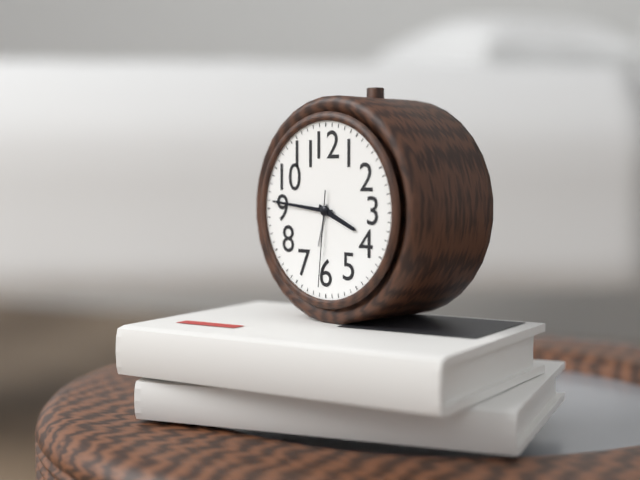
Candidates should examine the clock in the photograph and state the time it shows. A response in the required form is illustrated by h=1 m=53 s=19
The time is h=3 m=46 s=31
